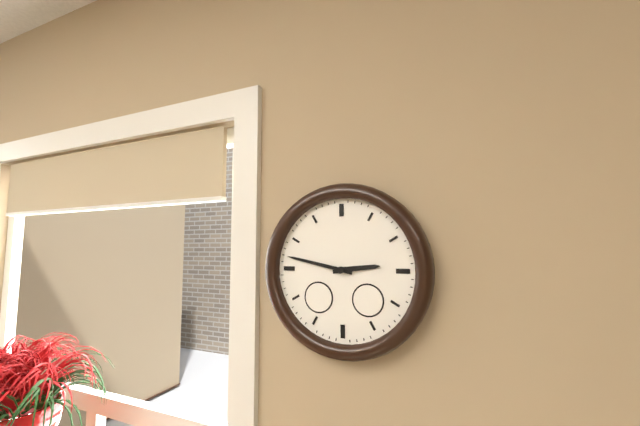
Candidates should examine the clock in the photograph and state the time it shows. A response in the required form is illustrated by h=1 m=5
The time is h=2 m=47
